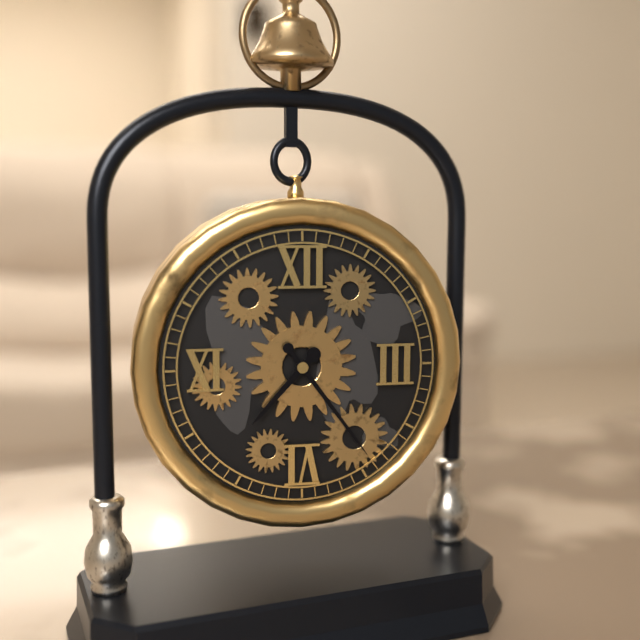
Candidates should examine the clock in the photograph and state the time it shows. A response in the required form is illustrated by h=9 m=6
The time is h=7 m=24
